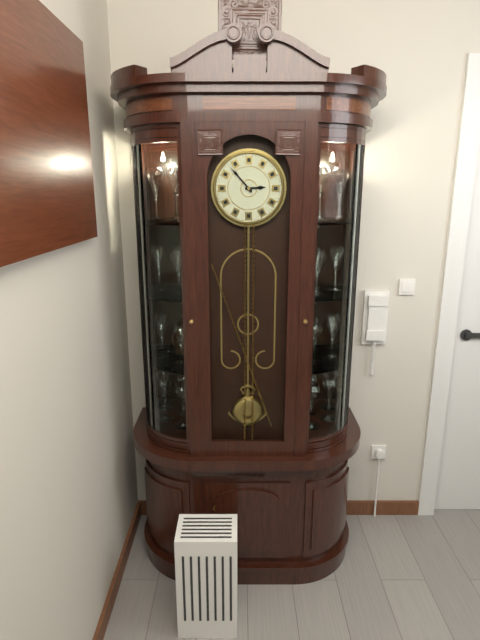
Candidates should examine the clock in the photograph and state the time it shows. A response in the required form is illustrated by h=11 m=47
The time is h=2 m=53
